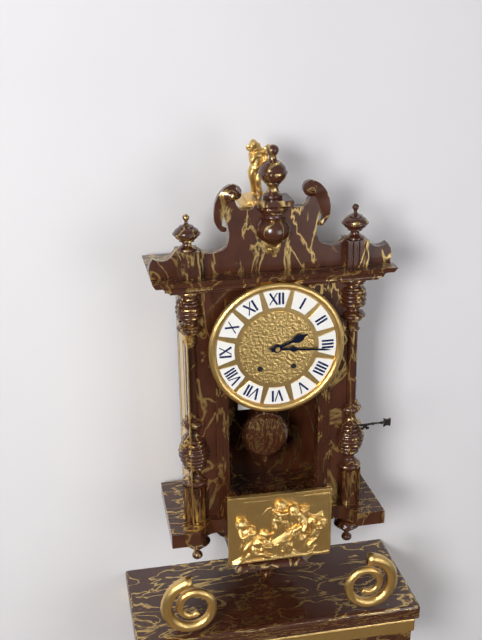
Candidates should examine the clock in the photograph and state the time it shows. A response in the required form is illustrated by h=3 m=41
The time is h=2 m=16
